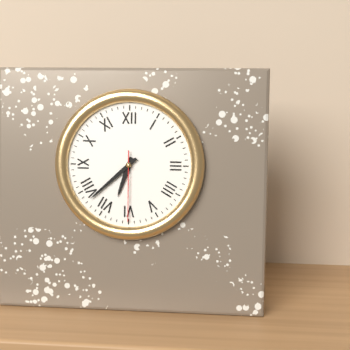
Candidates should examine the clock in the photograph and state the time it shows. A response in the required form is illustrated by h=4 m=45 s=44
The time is h=6 m=38 s=30
